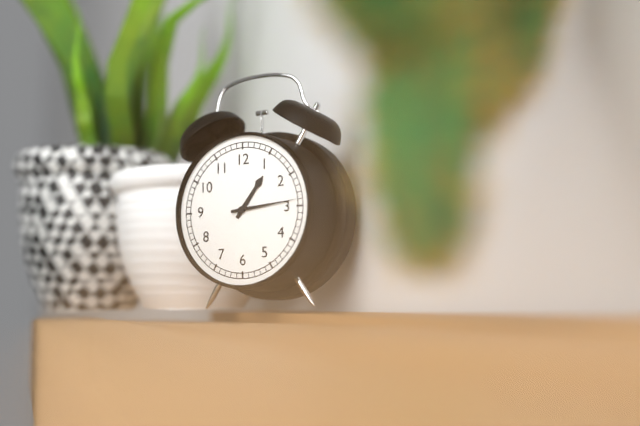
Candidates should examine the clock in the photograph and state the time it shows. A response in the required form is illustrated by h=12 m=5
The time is h=1 m=14
